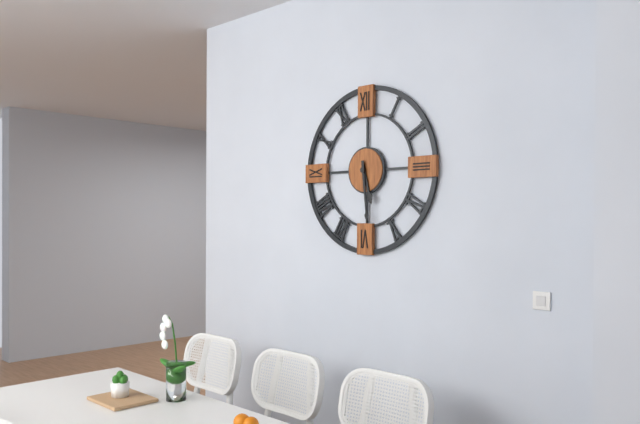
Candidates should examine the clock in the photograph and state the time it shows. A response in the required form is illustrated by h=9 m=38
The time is h=5 m=29
